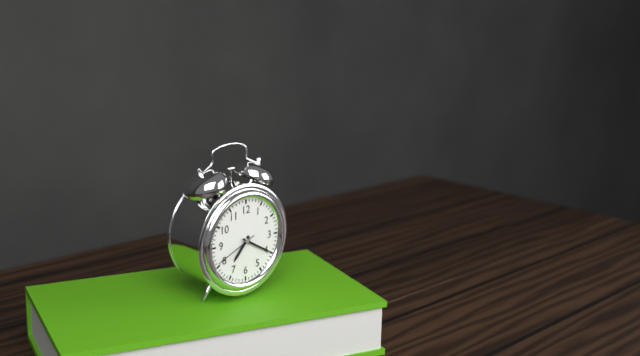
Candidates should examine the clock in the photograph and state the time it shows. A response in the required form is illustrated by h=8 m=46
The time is h=7 m=20
